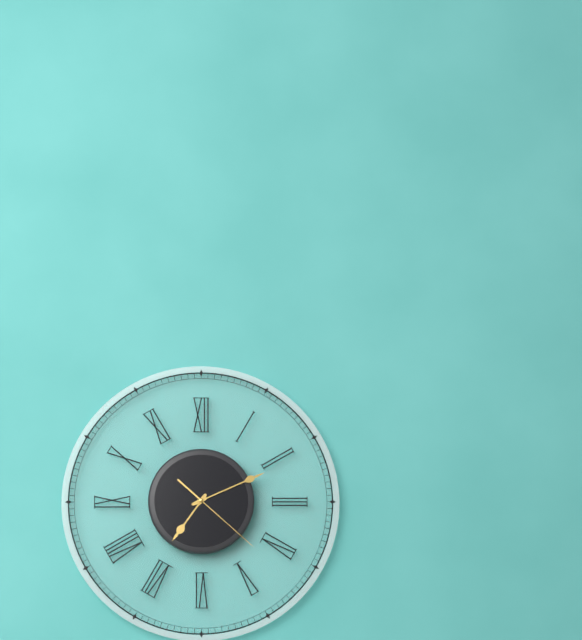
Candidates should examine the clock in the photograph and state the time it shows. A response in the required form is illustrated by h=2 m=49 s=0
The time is h=7 m=11 s=22
